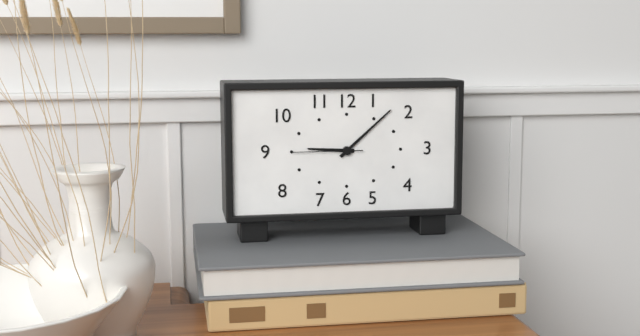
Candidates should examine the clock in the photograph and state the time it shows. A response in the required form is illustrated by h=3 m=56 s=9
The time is h=9 m=8 s=45
